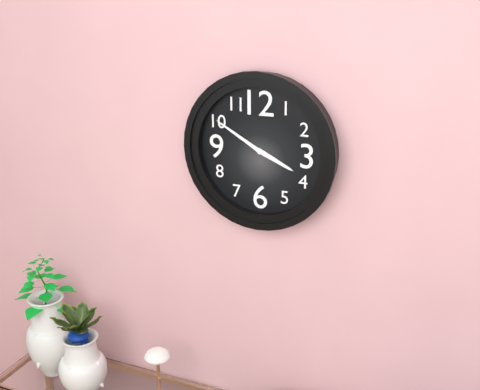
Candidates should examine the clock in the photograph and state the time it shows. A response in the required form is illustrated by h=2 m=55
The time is h=3 m=50
